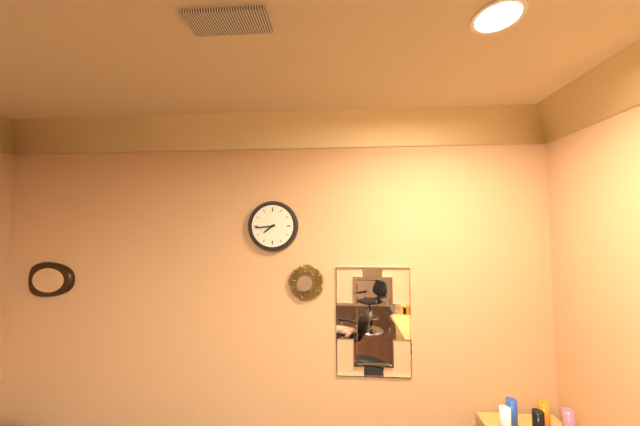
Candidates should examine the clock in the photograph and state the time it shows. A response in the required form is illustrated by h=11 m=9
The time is h=7 m=44
